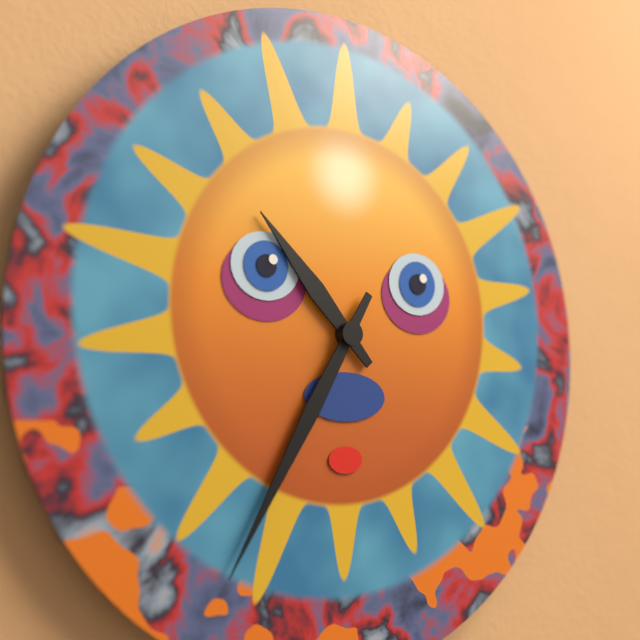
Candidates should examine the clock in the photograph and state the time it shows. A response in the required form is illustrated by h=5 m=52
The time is h=10 m=35
